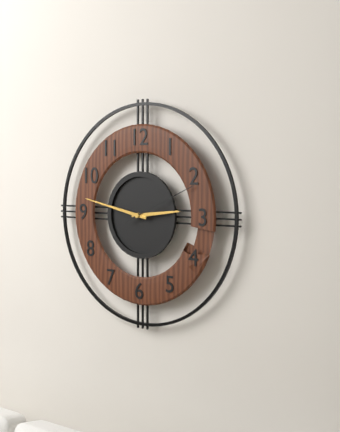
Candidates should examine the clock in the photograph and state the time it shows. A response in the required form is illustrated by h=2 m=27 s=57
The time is h=2 m=47 s=11
